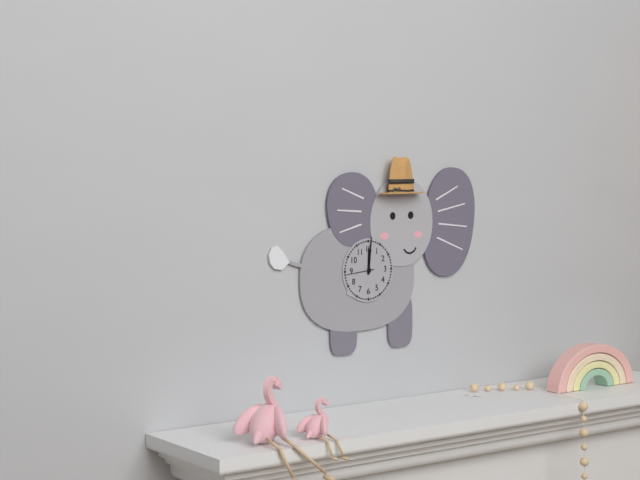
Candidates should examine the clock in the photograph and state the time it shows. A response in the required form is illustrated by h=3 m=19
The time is h=12 m=1
